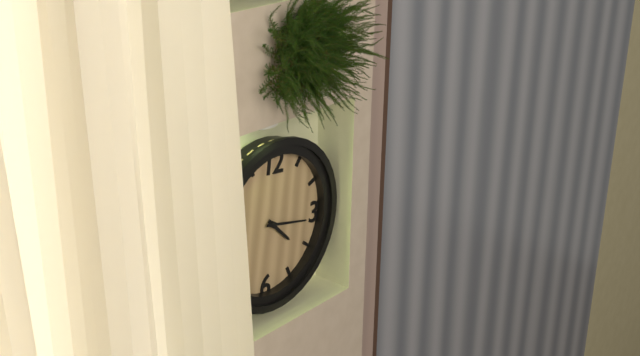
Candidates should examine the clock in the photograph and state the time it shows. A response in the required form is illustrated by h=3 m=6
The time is h=4 m=16
